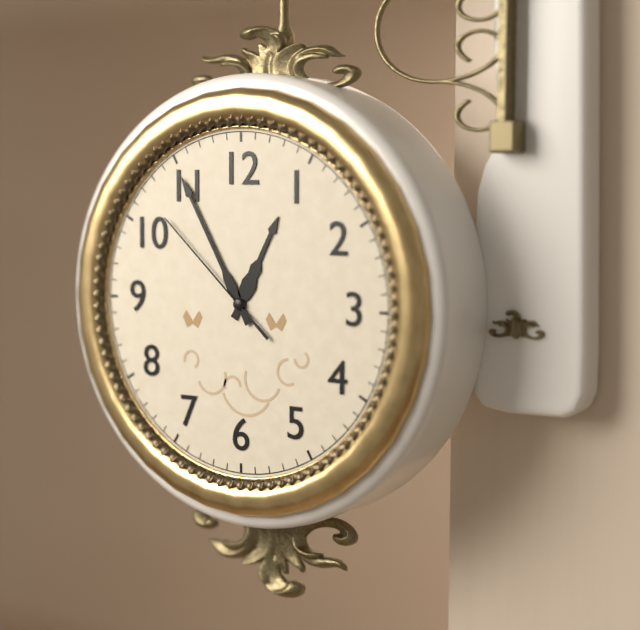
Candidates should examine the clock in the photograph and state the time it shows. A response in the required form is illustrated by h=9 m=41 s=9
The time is h=12 m=55 s=52
